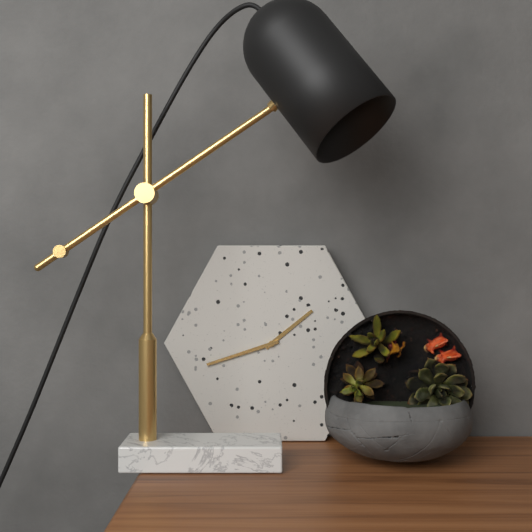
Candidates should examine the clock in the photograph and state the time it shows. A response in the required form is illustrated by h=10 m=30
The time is h=1 m=42
